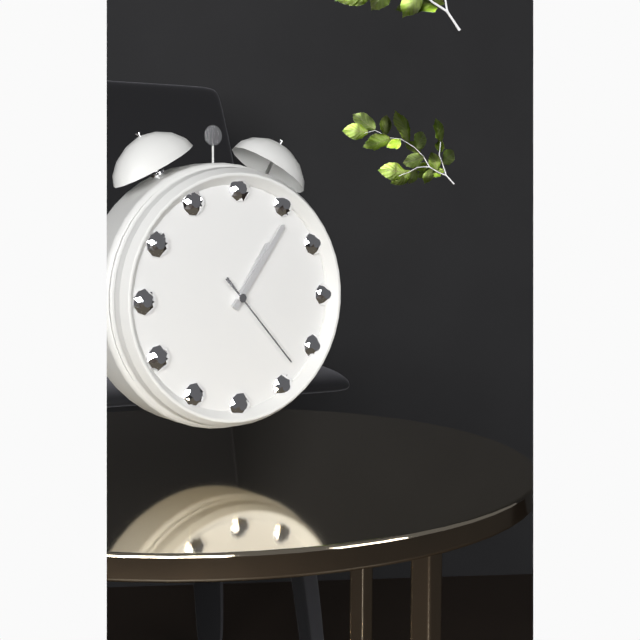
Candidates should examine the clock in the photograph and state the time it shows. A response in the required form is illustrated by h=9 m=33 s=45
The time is h=1 m=6 s=23
